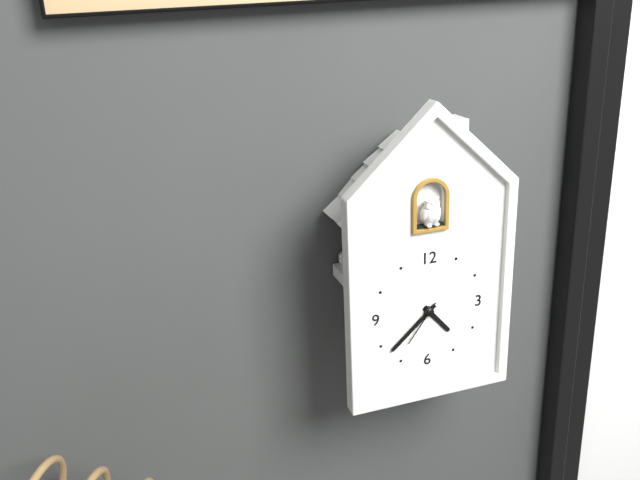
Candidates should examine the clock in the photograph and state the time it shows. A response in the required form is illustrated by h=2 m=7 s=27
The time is h=4 m=38 s=36
